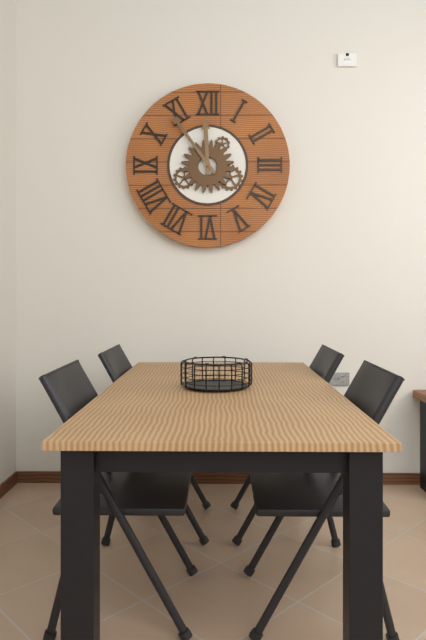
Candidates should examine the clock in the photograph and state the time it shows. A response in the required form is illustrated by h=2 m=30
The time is h=11 m=54
